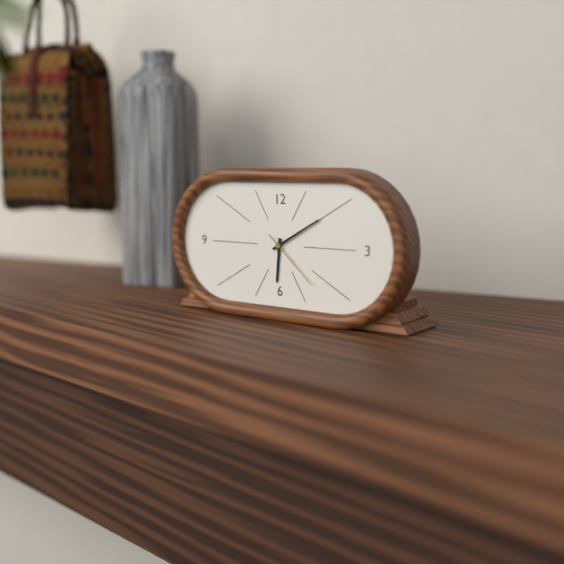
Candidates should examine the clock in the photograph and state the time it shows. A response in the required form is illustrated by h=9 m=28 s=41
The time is h=6 m=10 s=22
